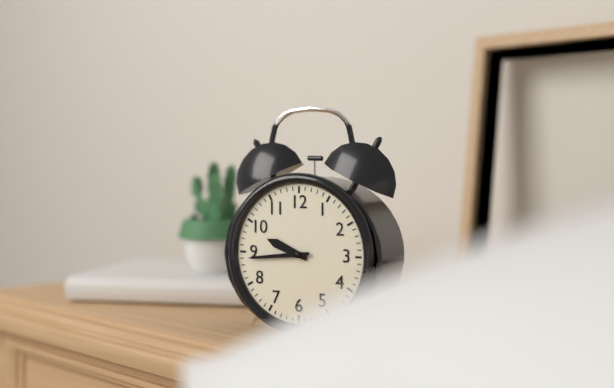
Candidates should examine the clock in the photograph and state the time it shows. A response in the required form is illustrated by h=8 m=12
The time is h=9 m=44
